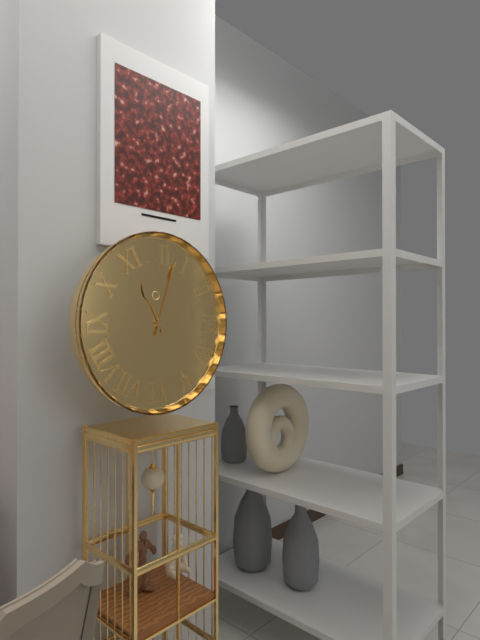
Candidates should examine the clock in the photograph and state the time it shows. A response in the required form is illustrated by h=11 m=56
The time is h=11 m=3
